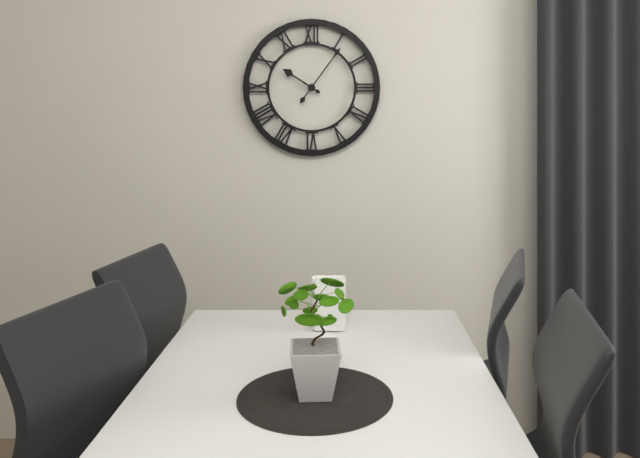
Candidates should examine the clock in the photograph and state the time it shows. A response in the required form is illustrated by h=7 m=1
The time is h=10 m=6
